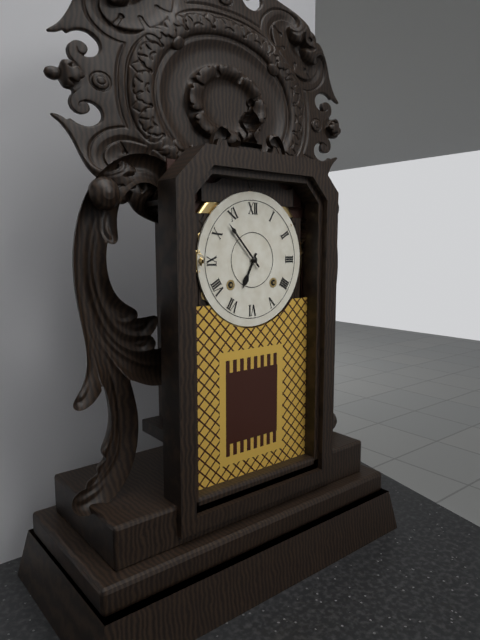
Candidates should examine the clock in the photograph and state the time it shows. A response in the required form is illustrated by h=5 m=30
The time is h=6 m=53
